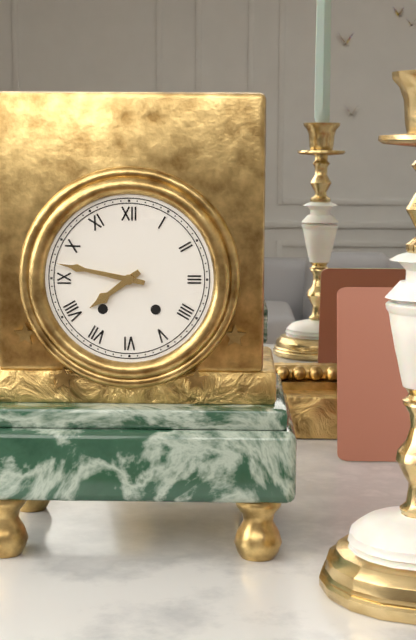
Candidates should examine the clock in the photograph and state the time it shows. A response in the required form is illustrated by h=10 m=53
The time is h=7 m=47
